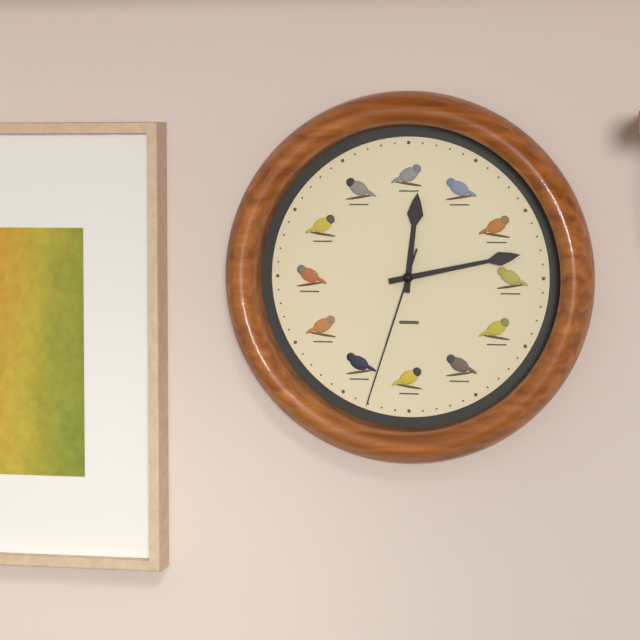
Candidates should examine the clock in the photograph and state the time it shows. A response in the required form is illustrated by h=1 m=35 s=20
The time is h=12 m=13 s=33
